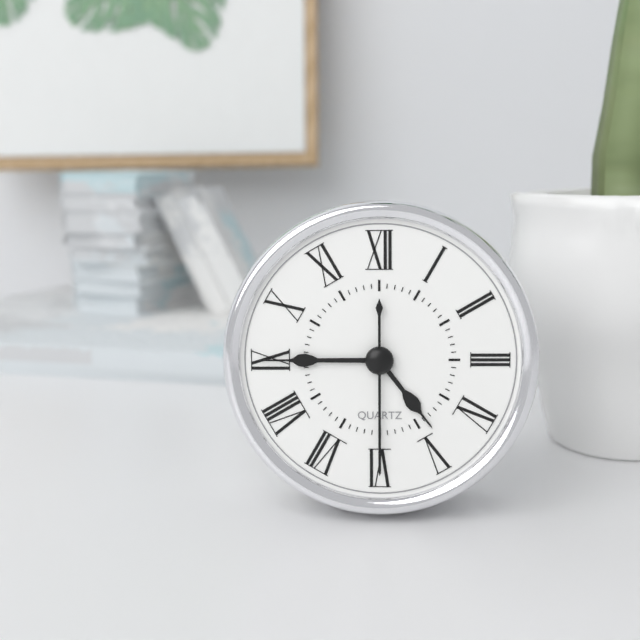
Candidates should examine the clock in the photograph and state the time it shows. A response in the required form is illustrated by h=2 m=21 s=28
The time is h=4 m=45 s=30
